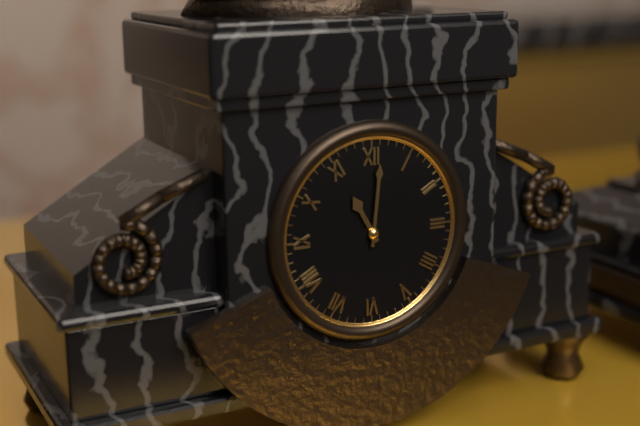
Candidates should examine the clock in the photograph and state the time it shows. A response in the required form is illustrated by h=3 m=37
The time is h=11 m=1
